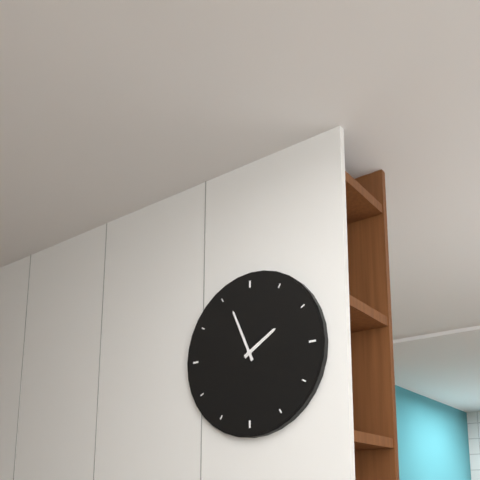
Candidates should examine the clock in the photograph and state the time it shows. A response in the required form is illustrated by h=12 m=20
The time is h=1 m=56
